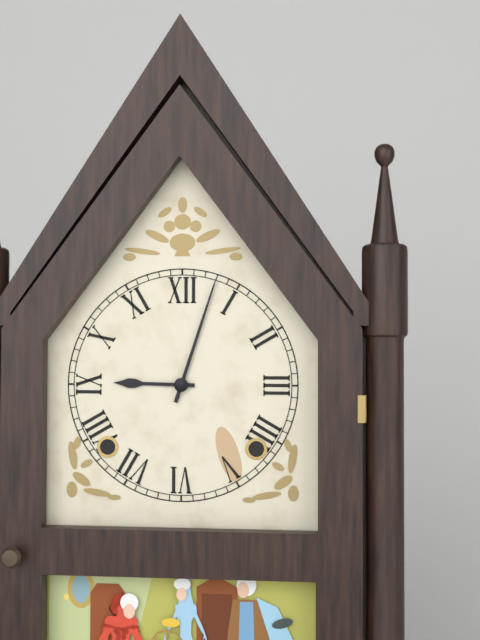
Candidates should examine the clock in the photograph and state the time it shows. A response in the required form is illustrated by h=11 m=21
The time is h=9 m=3
